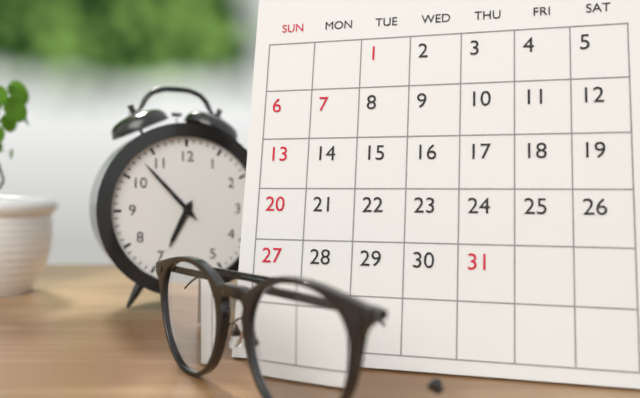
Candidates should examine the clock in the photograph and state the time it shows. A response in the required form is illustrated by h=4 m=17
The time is h=6 m=53
